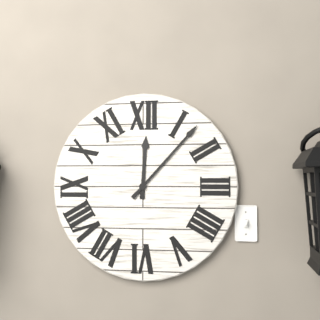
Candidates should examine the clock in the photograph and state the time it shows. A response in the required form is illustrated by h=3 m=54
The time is h=12 m=7
